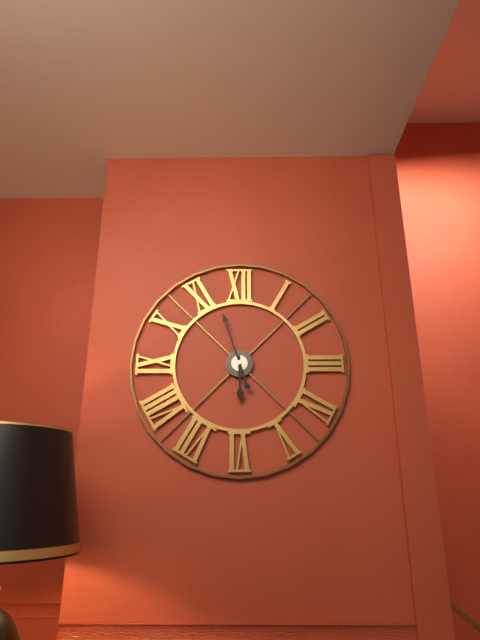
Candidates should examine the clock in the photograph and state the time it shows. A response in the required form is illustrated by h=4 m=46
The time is h=5 m=57
